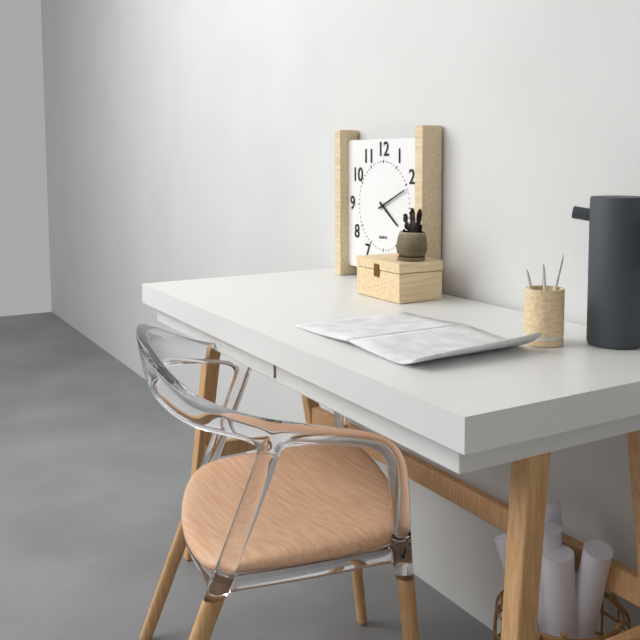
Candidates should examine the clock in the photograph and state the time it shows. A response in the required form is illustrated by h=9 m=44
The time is h=4 m=11
